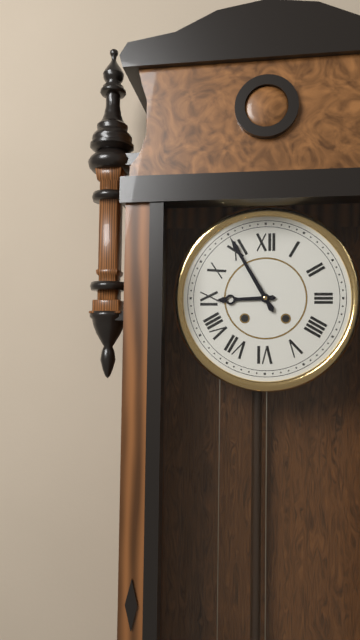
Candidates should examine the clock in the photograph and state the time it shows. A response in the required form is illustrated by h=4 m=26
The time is h=8 m=55
